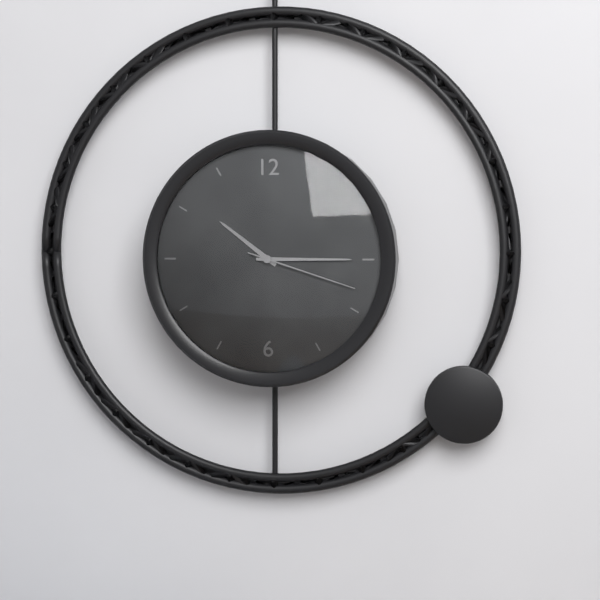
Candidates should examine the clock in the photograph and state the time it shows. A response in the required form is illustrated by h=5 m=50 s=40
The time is h=10 m=15 s=18
